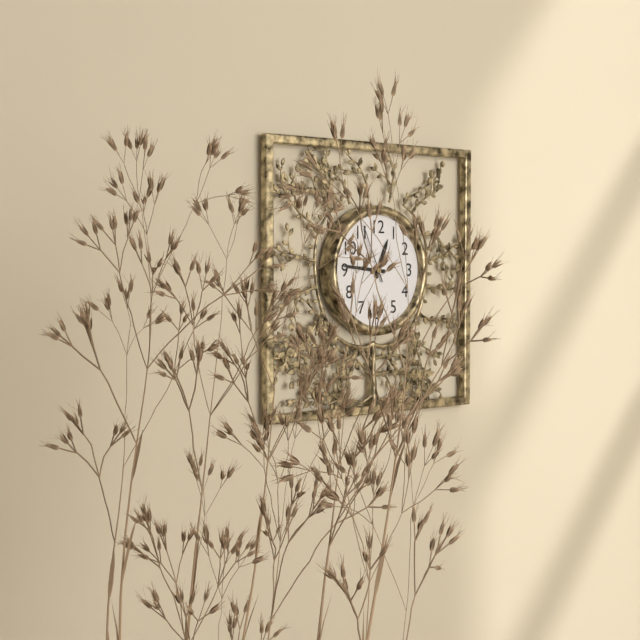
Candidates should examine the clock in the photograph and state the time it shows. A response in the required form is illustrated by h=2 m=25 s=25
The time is h=12 m=46 s=56
